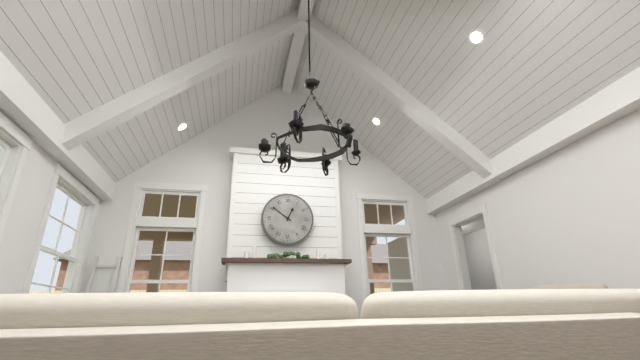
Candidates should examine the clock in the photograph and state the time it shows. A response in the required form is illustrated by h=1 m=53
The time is h=12 m=51
